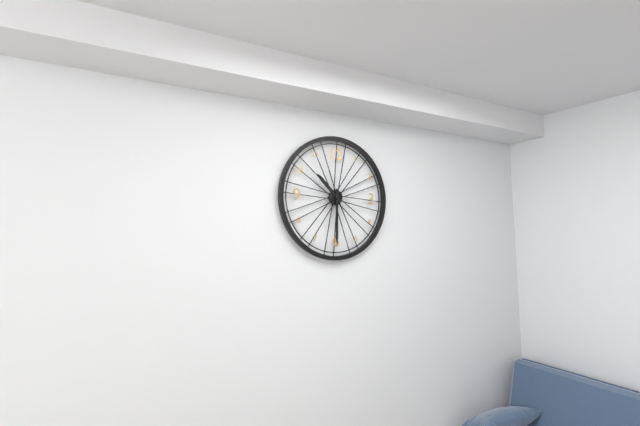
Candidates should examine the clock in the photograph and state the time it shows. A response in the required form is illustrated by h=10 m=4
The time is h=10 m=30
